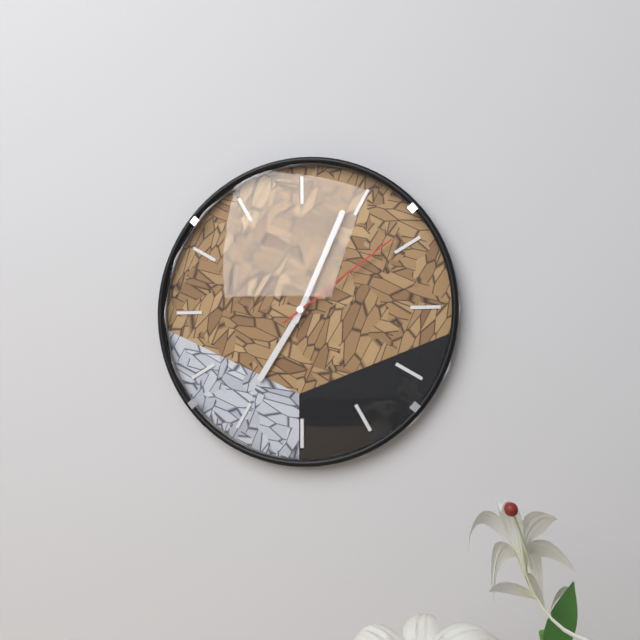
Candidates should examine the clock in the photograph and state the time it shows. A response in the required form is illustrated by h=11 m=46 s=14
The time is h=7 m=4 s=9
